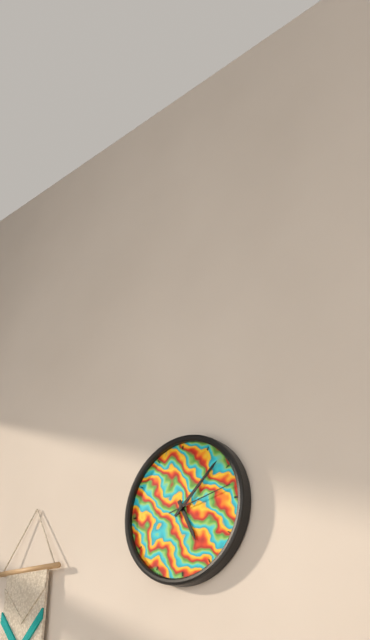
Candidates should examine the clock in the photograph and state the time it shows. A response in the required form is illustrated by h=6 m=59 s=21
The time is h=5 m=8 s=13
